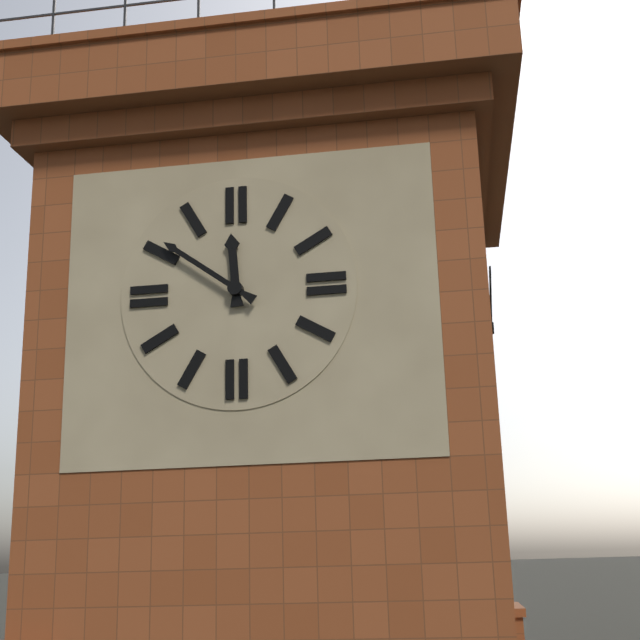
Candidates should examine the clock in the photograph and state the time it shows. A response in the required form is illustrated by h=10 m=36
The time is h=11 m=51
